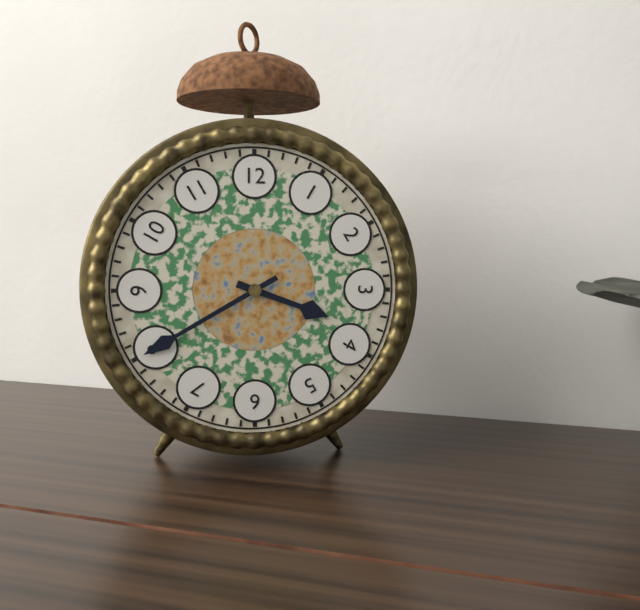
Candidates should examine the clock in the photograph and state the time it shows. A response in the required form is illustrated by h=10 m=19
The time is h=3 m=40
